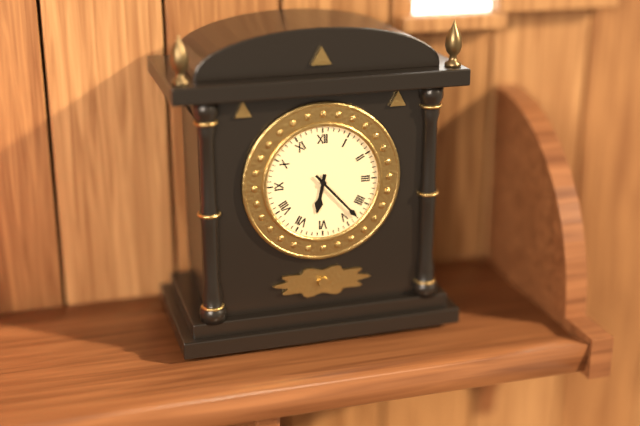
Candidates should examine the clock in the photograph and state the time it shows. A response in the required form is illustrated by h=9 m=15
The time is h=6 m=23
